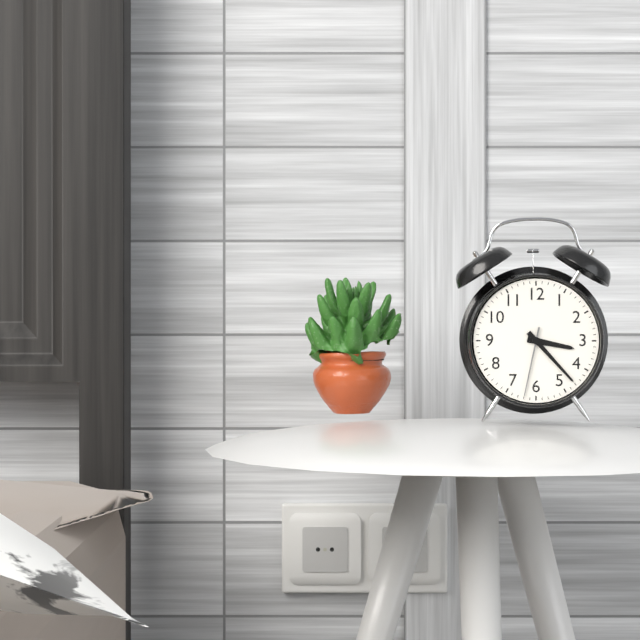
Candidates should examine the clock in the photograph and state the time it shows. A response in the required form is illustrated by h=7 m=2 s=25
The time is h=3 m=23 s=32
